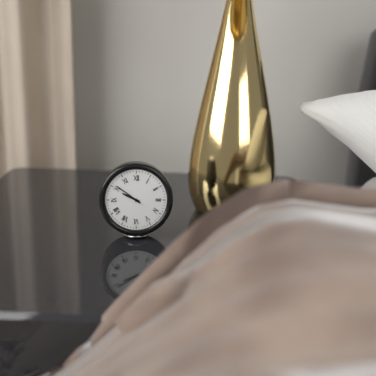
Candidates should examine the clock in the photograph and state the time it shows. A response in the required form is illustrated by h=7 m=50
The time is h=9 m=51
